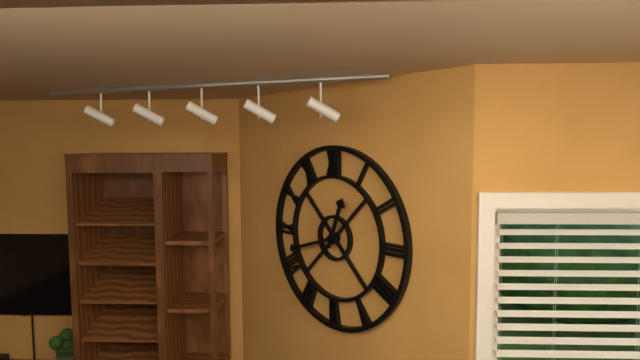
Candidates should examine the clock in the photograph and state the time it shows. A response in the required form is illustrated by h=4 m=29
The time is h=12 m=42
